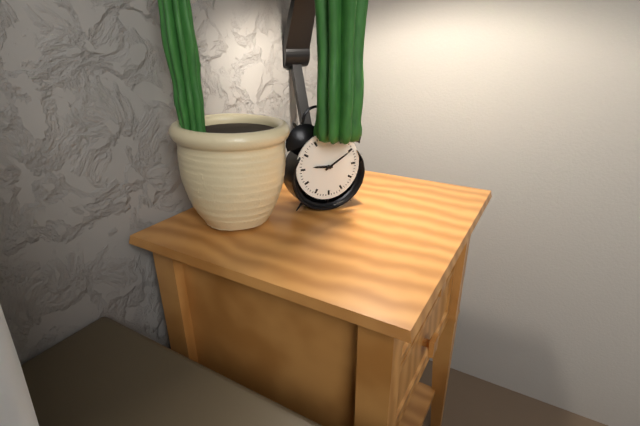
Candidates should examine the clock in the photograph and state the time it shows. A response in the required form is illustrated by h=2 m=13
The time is h=9 m=10
